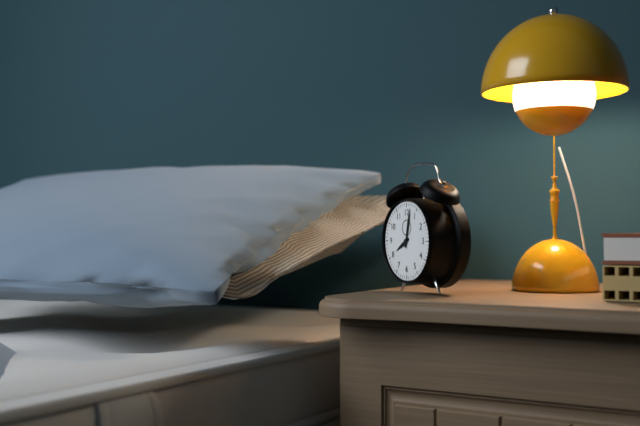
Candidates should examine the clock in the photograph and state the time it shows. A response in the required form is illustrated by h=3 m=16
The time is h=8 m=2
